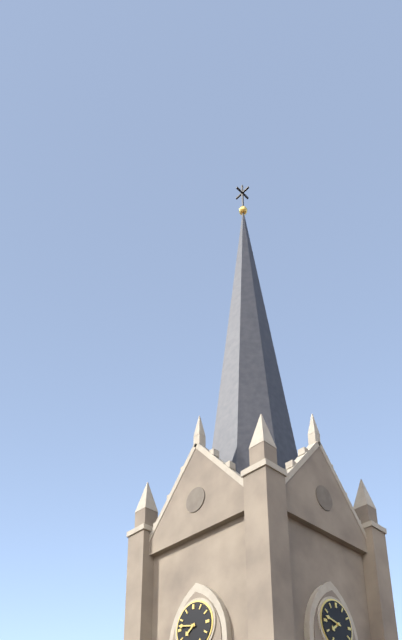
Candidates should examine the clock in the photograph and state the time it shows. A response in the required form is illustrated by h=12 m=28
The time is h=7 m=47
